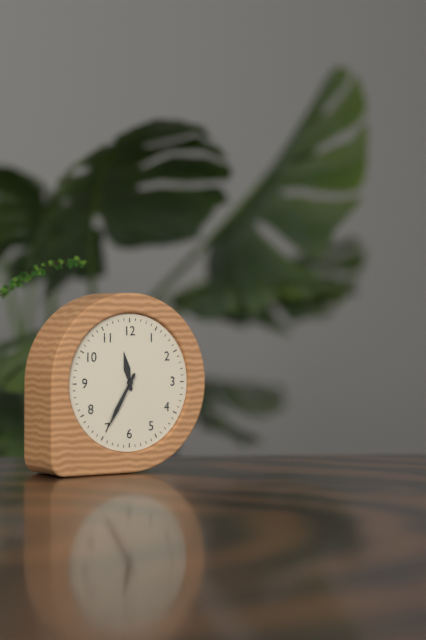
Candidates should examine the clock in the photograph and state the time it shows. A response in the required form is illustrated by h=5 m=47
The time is h=11 m=35
